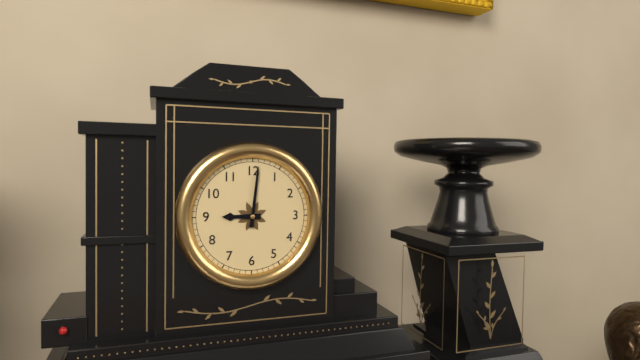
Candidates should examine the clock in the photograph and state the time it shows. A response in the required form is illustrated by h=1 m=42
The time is h=9 m=1
